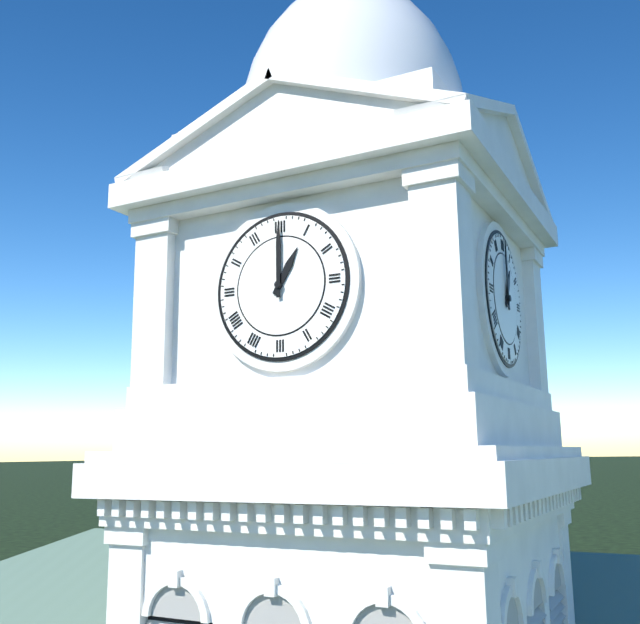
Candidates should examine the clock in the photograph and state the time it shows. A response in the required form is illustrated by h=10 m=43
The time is h=1 m=0
